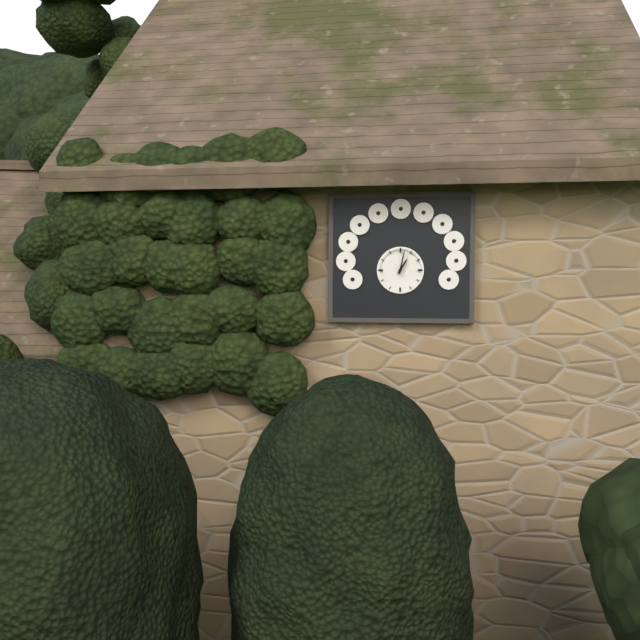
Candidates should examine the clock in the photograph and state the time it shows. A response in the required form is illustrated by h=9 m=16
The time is h=1 m=2
